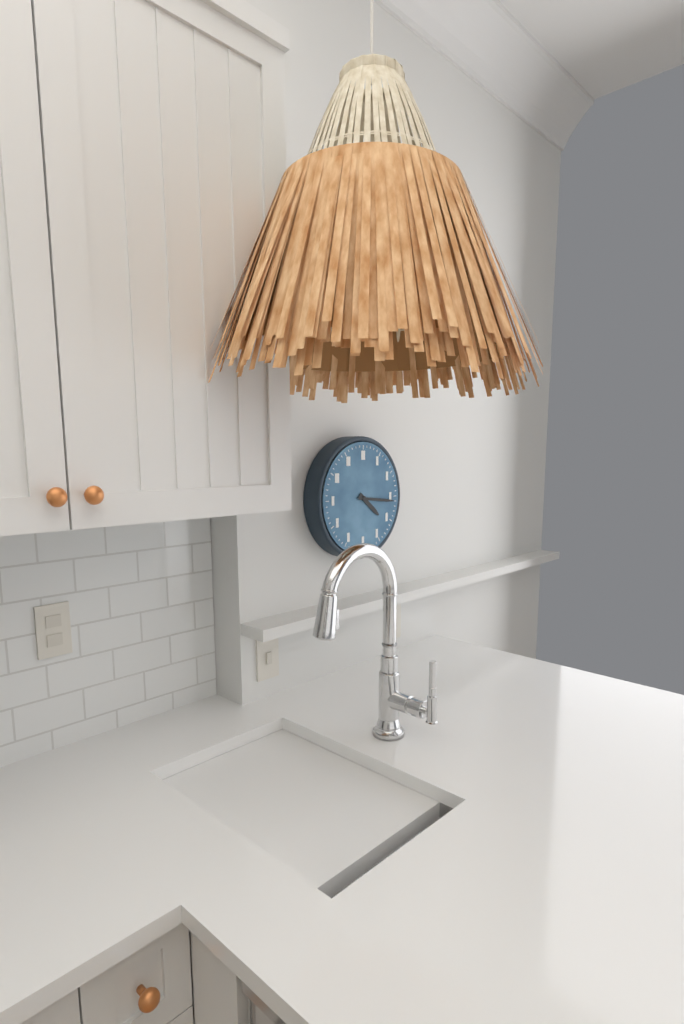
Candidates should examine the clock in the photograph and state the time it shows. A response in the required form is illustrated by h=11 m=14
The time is h=4 m=16
